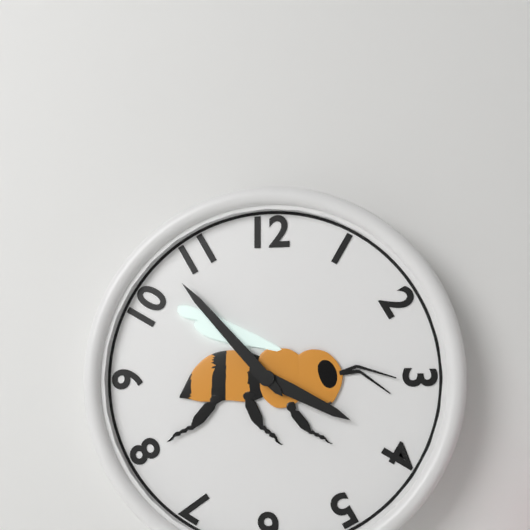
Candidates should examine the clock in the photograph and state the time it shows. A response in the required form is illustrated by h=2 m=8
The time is h=3 m=53
